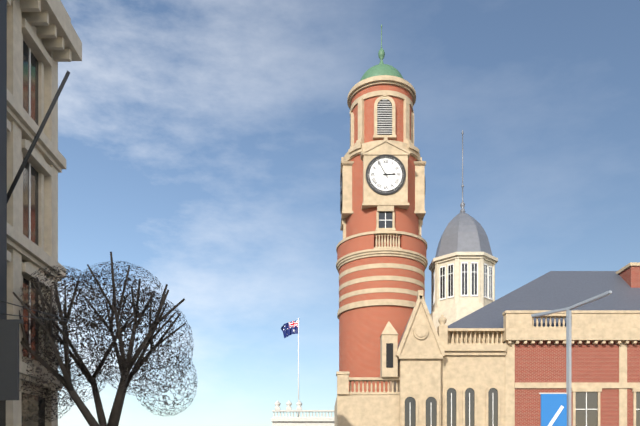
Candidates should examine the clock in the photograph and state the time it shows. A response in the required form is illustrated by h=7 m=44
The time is h=2 m=55
